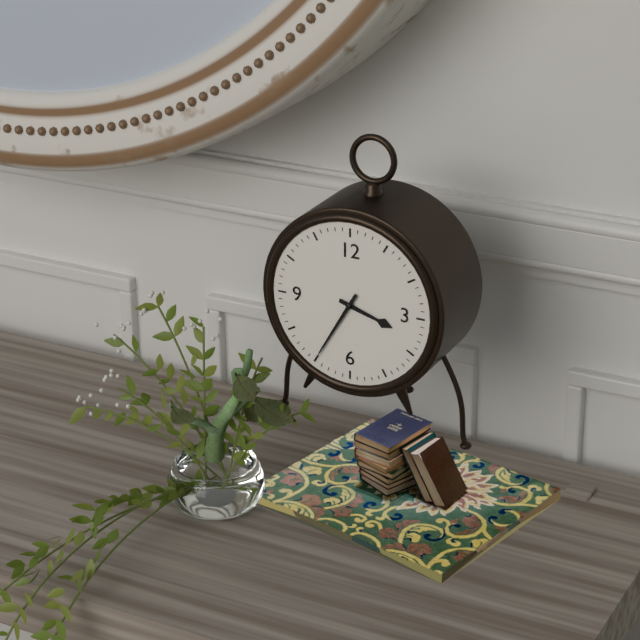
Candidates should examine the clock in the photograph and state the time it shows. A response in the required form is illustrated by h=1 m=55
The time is h=3 m=35
